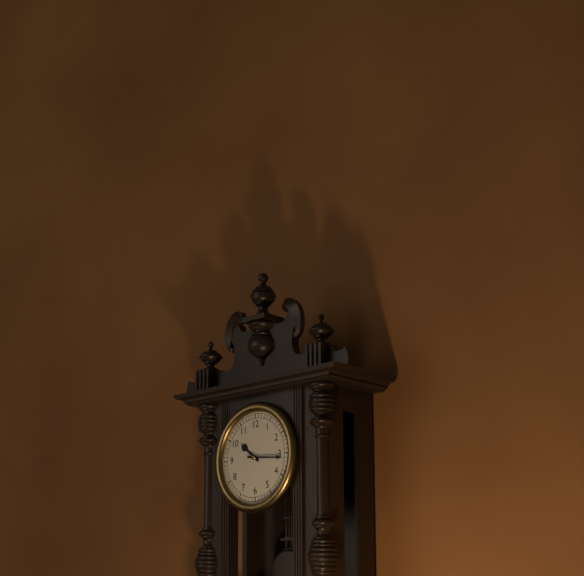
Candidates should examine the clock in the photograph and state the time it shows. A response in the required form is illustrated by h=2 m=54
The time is h=10 m=16
